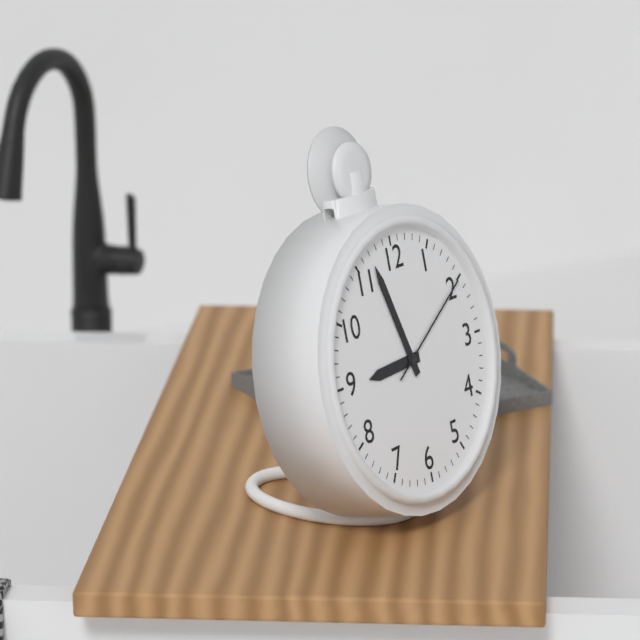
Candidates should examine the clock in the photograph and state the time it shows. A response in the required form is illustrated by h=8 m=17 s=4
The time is h=8 m=57 s=10
